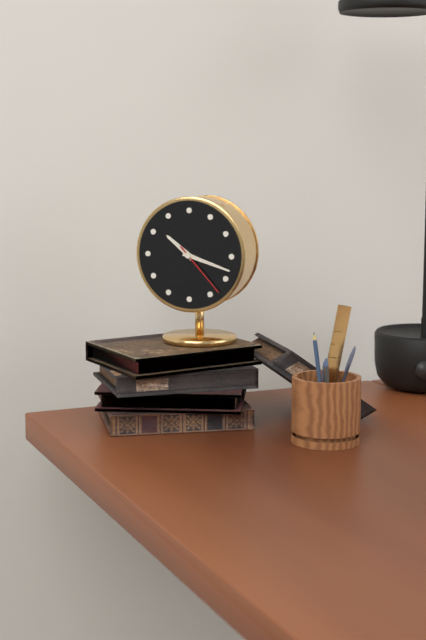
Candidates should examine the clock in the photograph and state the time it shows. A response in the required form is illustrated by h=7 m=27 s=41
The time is h=10 m=18 s=23
